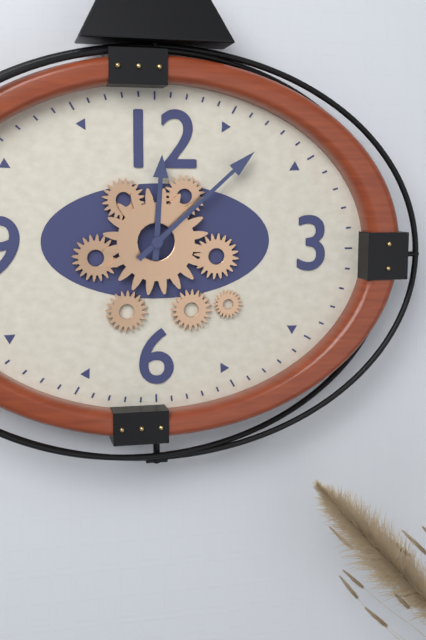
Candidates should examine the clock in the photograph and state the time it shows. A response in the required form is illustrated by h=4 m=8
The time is h=12 m=8
